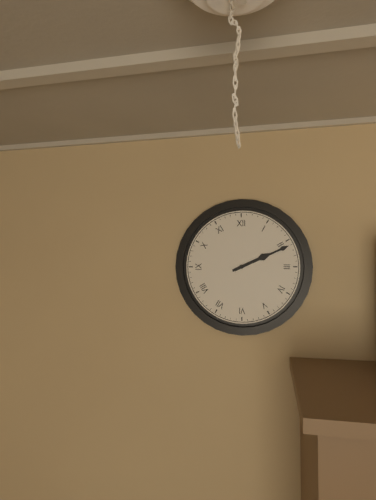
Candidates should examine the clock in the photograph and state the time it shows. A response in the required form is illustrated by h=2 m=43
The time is h=2 m=11
